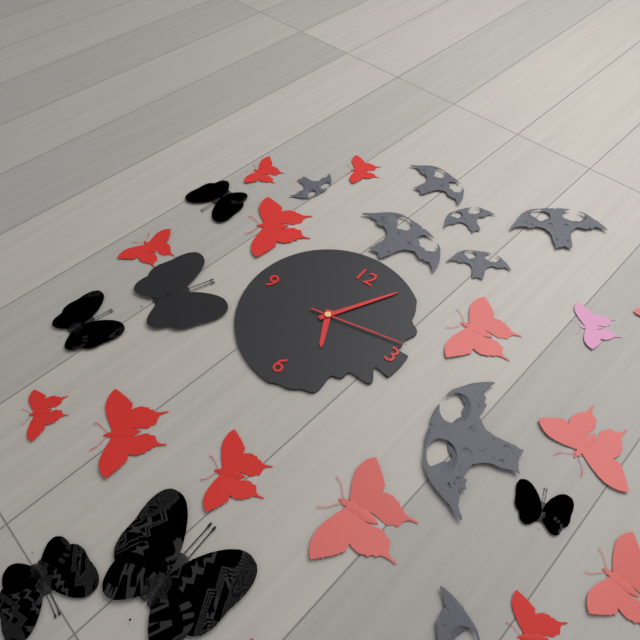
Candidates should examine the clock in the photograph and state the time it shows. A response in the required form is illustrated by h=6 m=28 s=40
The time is h=5 m=5 s=13
